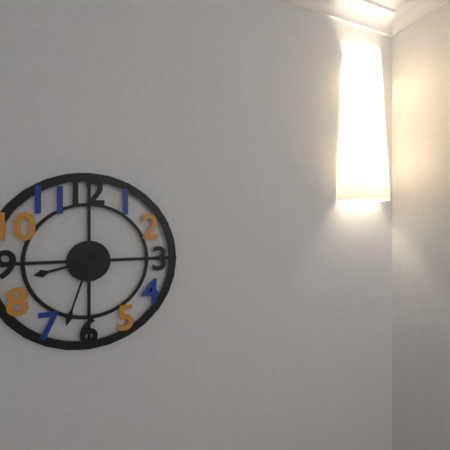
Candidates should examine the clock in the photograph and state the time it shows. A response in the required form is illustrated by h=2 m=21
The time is h=8 m=33
